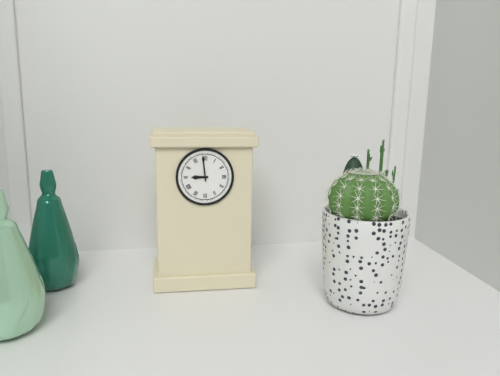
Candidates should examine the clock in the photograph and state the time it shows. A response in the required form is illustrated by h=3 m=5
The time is h=8 m=59
